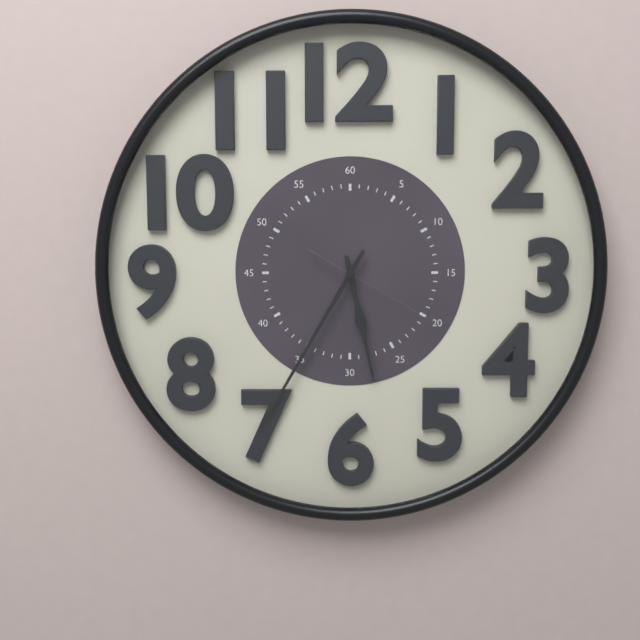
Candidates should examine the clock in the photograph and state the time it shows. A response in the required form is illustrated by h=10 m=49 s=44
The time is h=5 m=35 s=20
